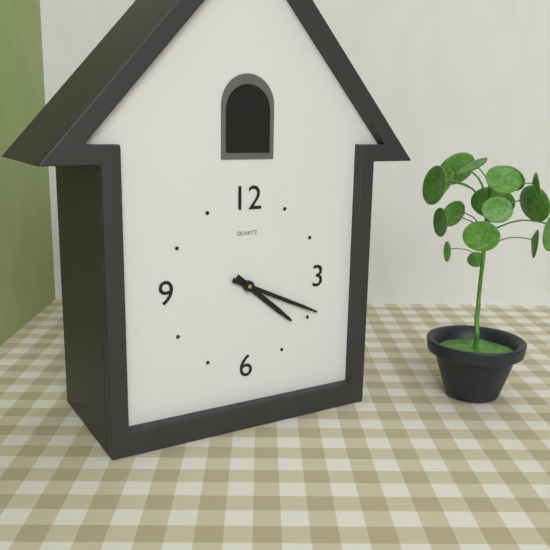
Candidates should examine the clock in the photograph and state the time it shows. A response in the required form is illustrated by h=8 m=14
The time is h=4 m=19
